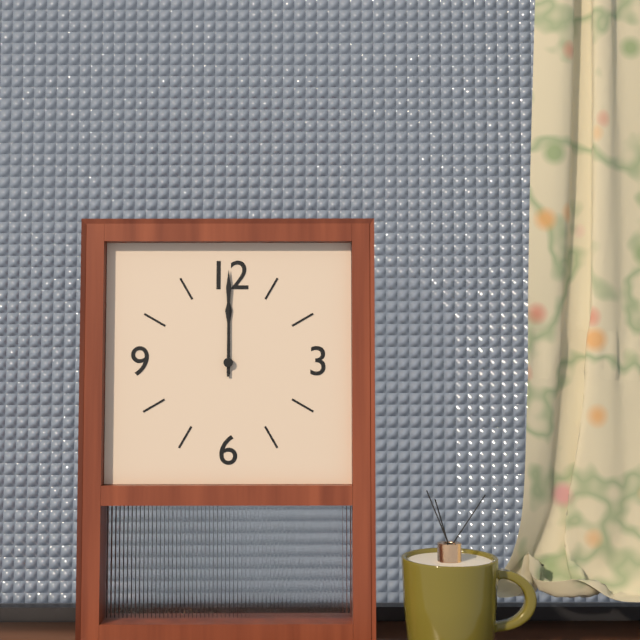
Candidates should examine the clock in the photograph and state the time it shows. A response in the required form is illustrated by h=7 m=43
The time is h=12 m=0
